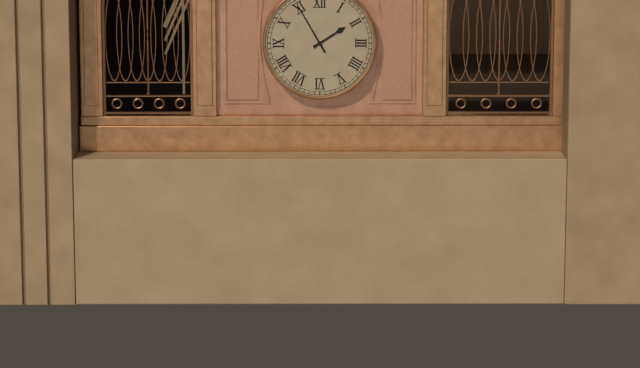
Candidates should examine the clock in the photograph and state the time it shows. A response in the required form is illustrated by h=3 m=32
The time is h=1 m=55
